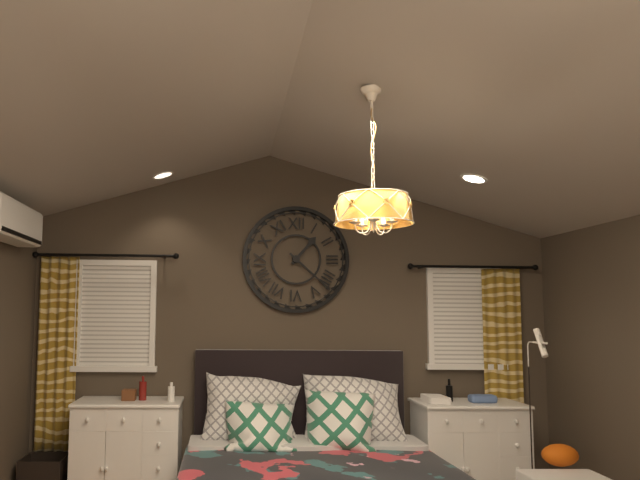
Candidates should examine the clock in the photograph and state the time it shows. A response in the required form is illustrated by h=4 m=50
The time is h=1 m=22
